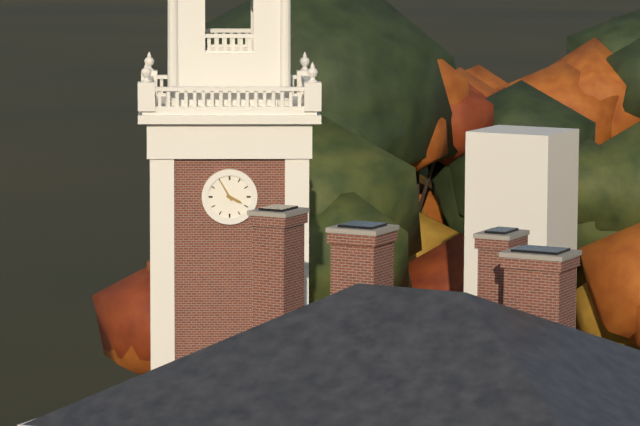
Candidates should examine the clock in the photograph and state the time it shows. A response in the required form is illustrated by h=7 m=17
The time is h=3 m=55
